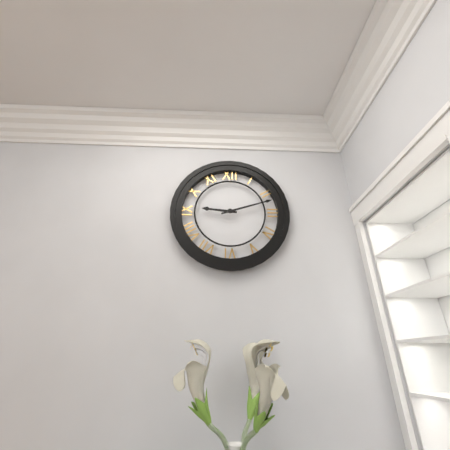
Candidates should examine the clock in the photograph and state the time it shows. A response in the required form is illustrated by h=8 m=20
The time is h=9 m=12
